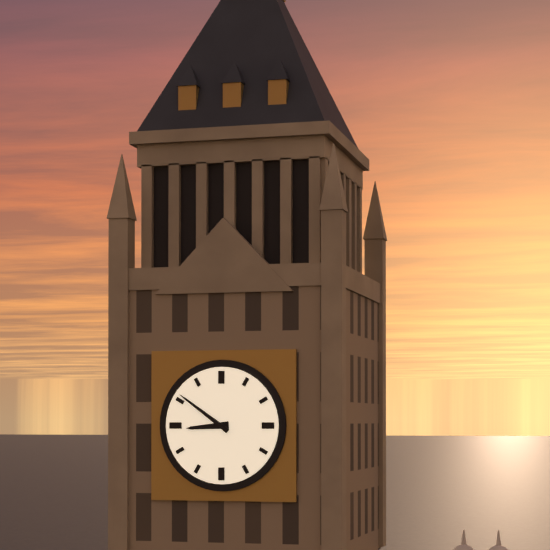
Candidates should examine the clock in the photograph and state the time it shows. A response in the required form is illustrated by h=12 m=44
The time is h=8 m=51
